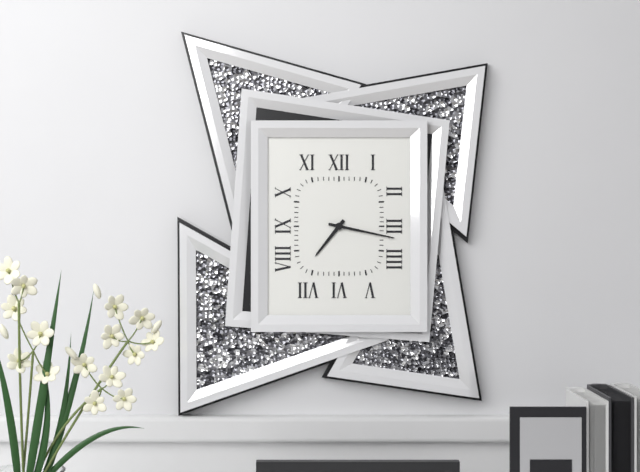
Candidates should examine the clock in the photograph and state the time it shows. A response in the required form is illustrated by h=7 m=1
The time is h=7 m=17
